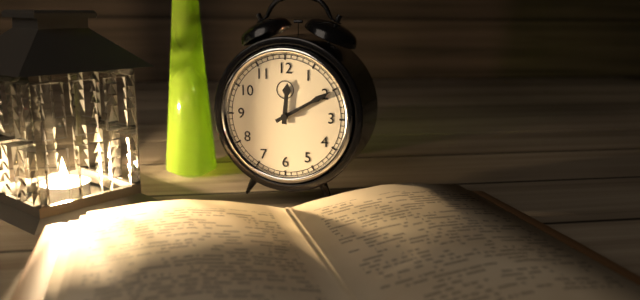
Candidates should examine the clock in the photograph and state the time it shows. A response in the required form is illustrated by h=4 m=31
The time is h=12 m=10
